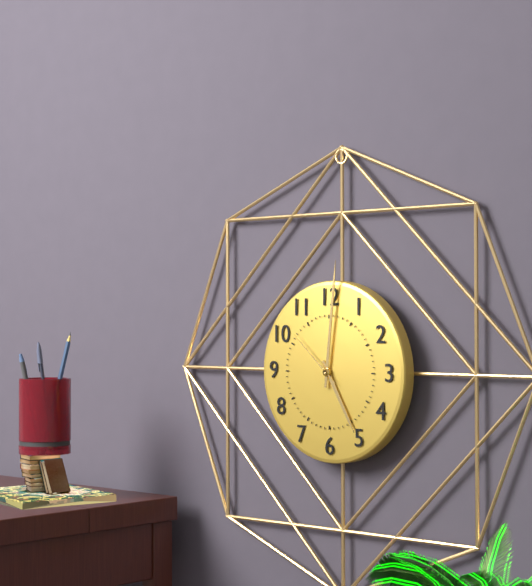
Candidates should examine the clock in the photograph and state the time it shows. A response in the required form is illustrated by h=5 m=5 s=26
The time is h=5 m=1 s=52
